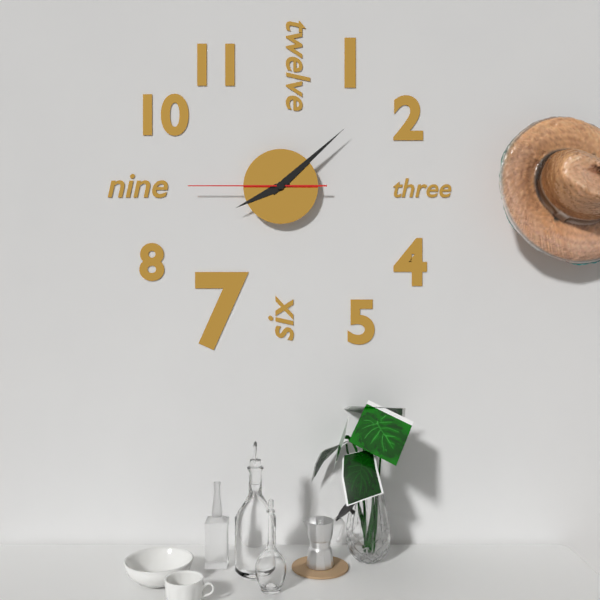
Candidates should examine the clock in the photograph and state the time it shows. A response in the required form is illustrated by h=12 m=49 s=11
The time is h=8 m=8 s=45
